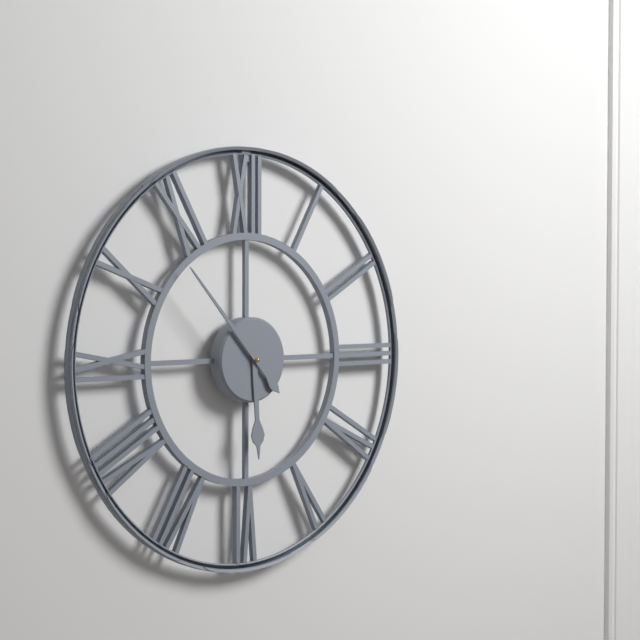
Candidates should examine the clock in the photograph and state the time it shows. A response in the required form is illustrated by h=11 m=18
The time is h=5 m=53
